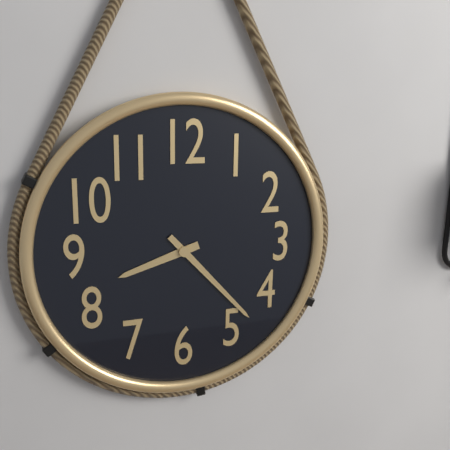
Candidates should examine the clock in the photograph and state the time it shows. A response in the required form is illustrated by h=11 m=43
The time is h=8 m=23
